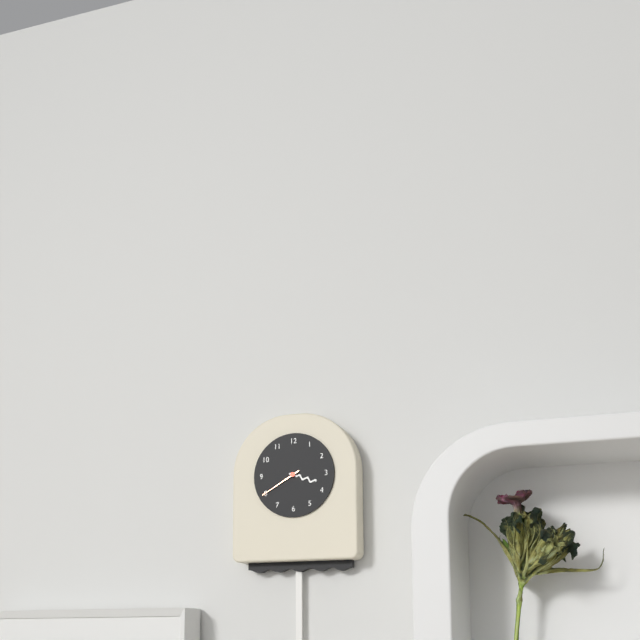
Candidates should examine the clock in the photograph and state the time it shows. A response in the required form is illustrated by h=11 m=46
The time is h=3 m=40
